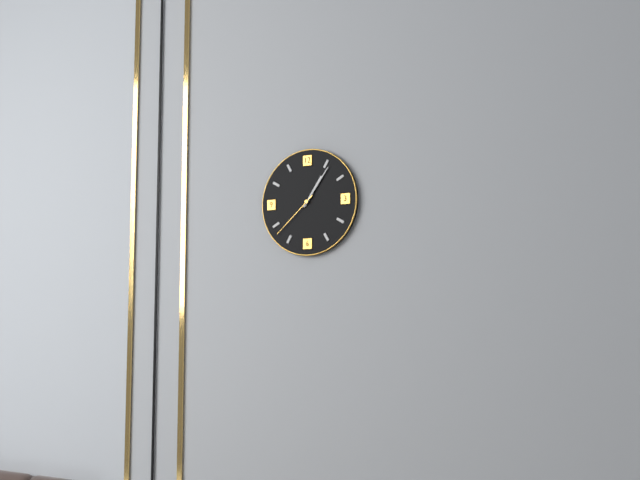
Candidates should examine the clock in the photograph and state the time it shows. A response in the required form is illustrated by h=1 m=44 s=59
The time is h=1 m=6 s=38
